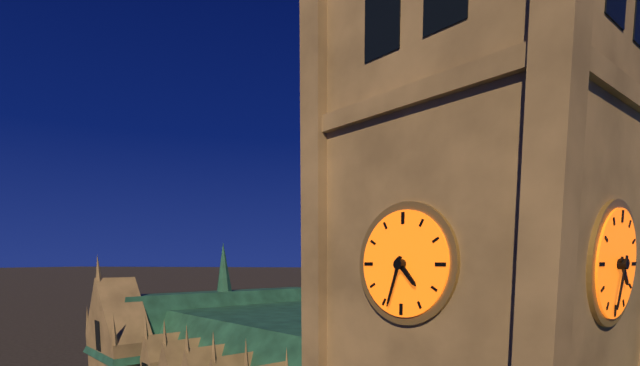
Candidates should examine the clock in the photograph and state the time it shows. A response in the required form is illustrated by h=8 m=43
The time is h=4 m=33
